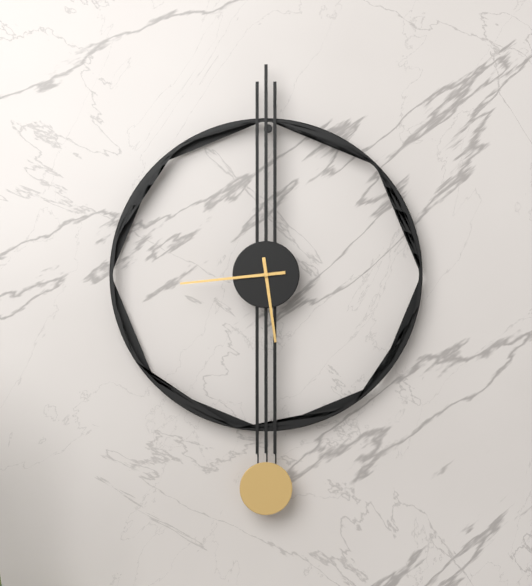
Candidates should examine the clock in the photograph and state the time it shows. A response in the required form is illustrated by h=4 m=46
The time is h=5 m=44
